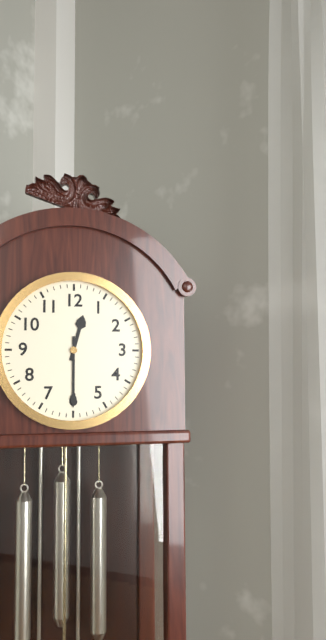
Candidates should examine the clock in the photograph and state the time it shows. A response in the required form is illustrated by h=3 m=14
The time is h=12 m=30
